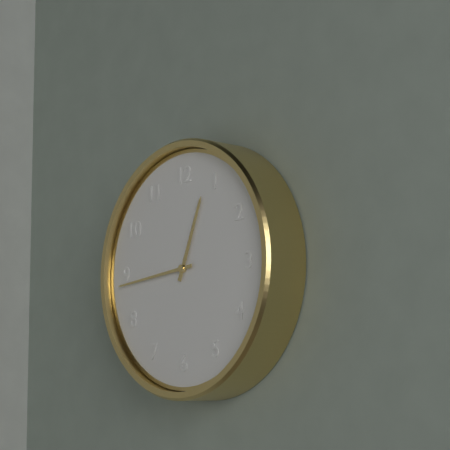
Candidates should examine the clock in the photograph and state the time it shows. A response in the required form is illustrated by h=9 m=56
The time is h=12 m=44
